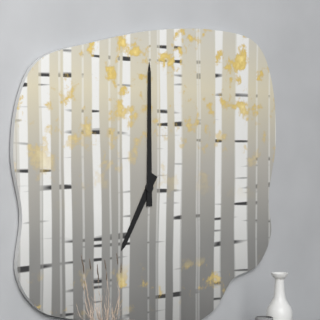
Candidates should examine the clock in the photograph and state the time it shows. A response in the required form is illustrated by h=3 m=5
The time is h=7 m=0
